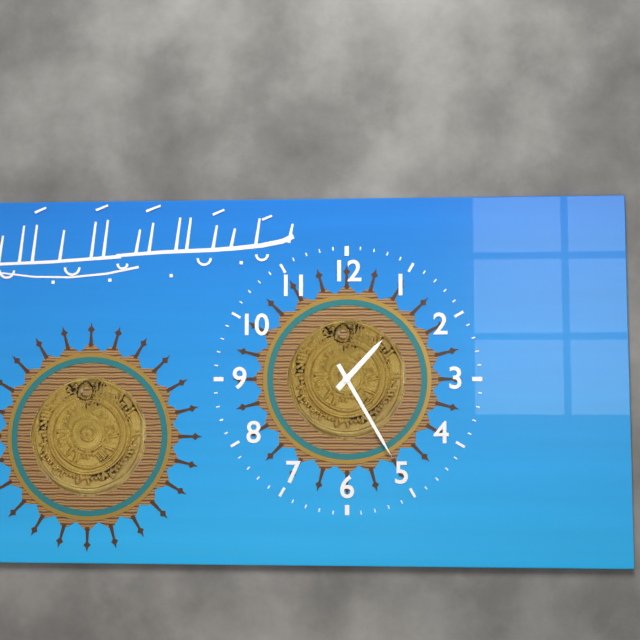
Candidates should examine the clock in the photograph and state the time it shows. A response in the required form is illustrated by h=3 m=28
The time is h=1 m=25
